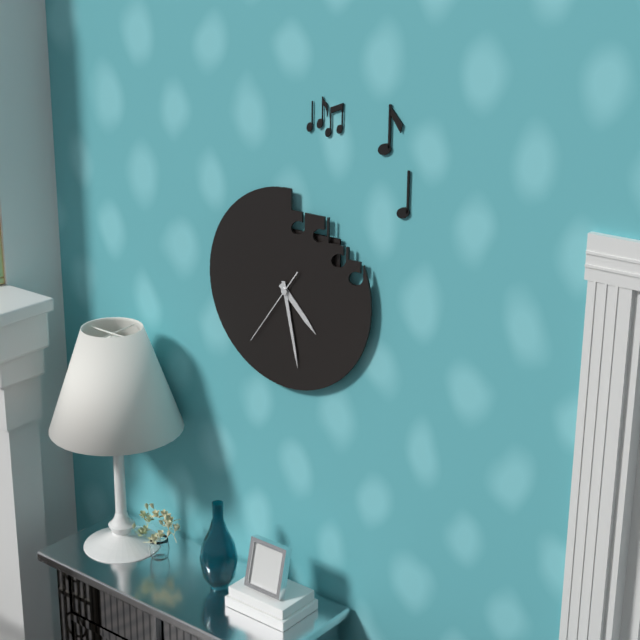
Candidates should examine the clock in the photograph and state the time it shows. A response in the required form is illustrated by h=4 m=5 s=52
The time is h=4 m=28 s=36
